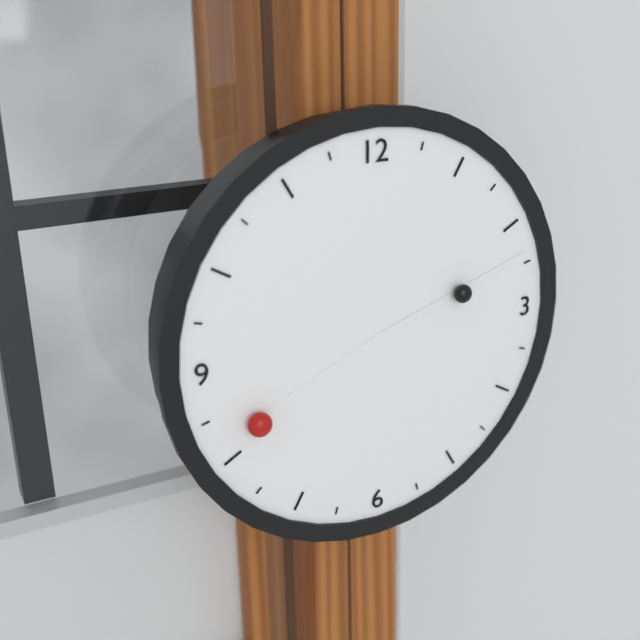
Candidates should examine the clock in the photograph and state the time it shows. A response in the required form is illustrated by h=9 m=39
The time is h=8 m=12
